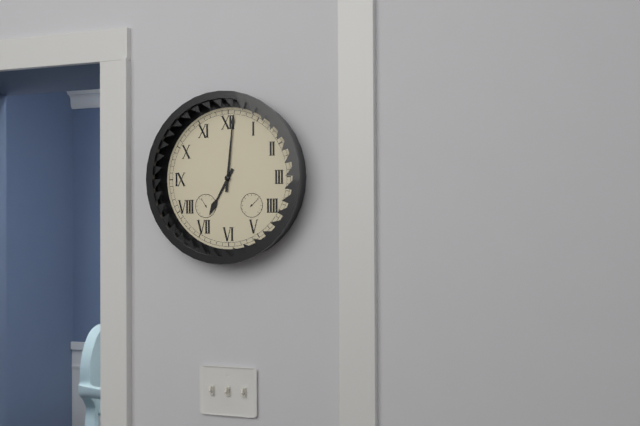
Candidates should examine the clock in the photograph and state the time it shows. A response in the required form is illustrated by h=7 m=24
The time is h=7 m=1
